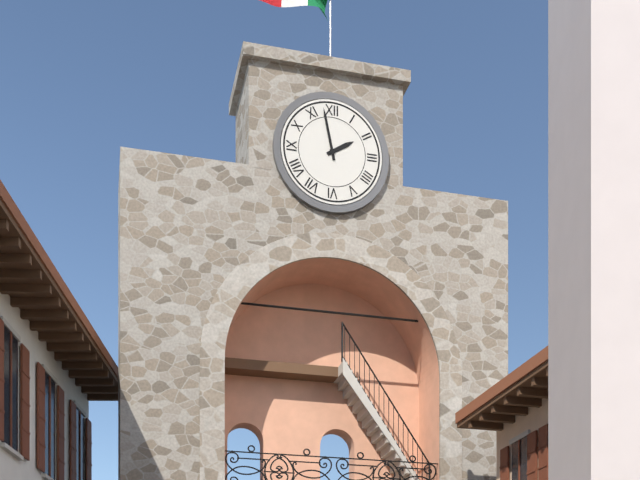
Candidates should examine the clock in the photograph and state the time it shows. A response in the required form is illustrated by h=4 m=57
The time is h=1 m=58
